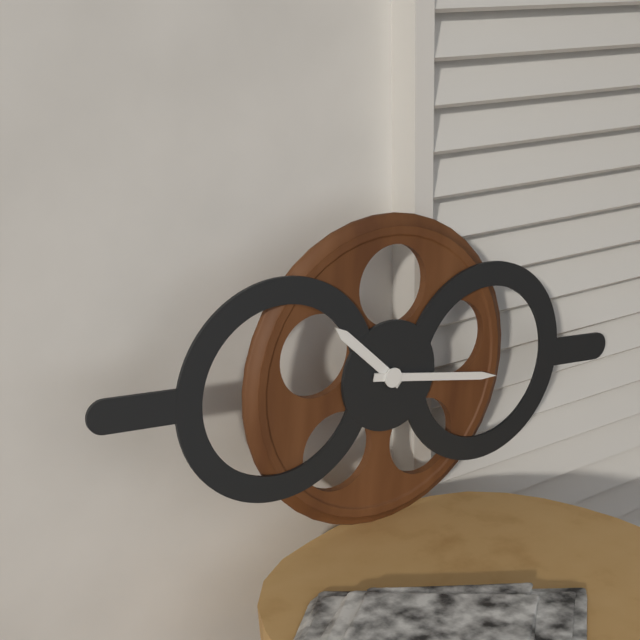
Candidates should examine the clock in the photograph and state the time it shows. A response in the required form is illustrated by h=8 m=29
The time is h=10 m=16
